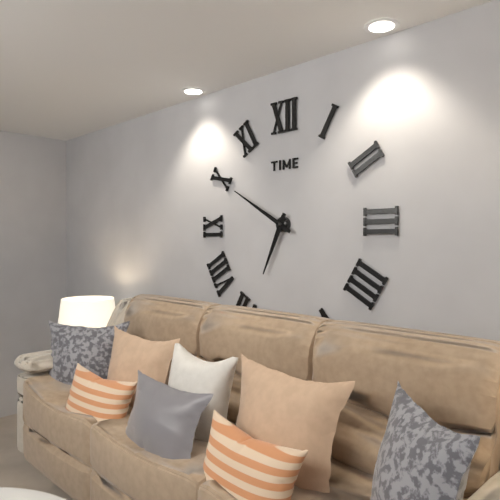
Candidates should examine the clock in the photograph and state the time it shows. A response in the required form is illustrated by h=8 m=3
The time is h=6 m=50
